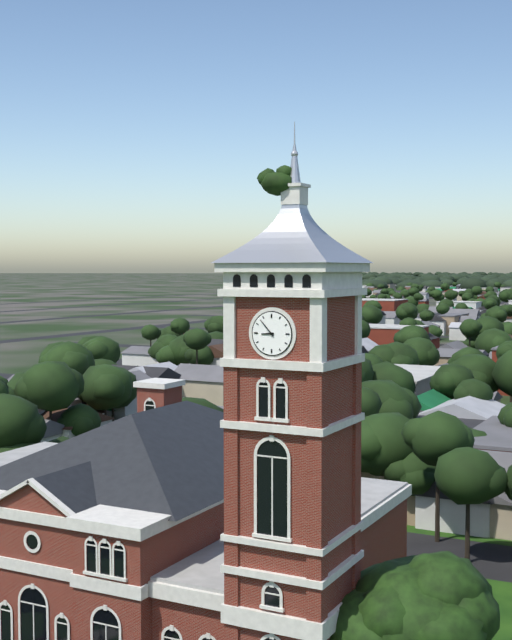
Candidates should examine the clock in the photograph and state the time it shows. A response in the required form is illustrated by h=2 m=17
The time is h=8 m=53
